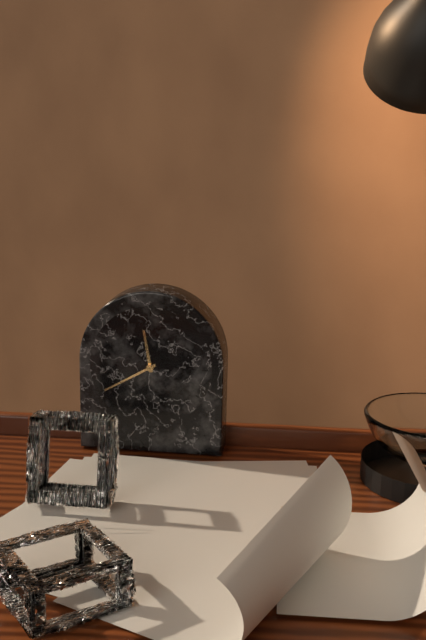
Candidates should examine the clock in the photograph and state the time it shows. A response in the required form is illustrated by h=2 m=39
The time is h=11 m=40
